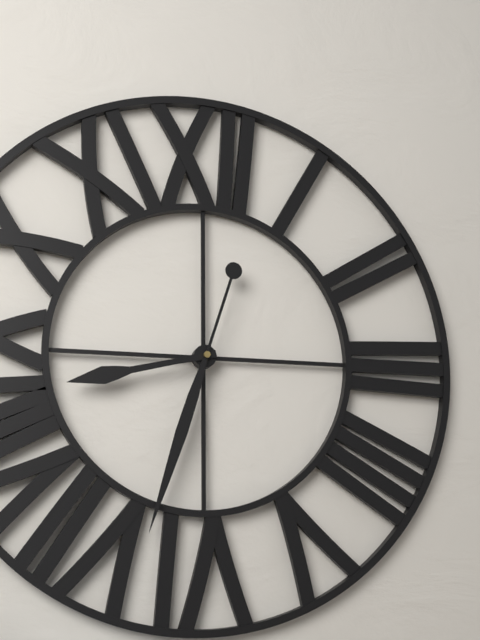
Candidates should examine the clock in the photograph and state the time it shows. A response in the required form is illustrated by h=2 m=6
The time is h=8 m=33
